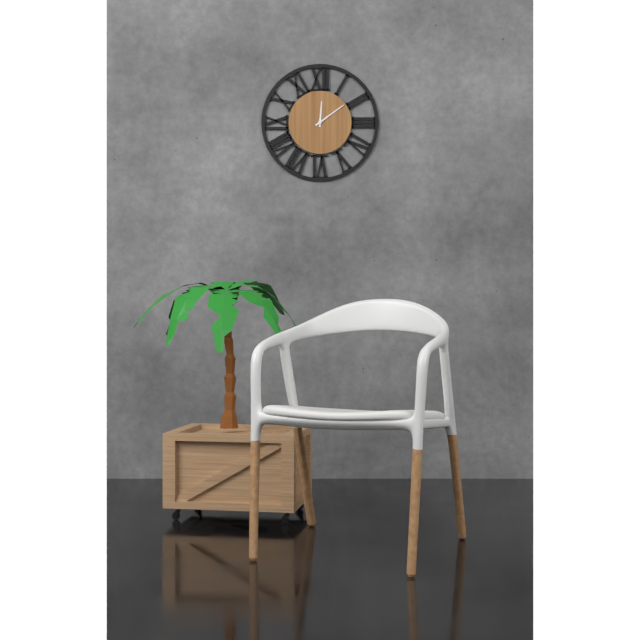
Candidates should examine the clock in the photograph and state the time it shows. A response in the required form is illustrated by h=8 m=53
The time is h=12 m=9
